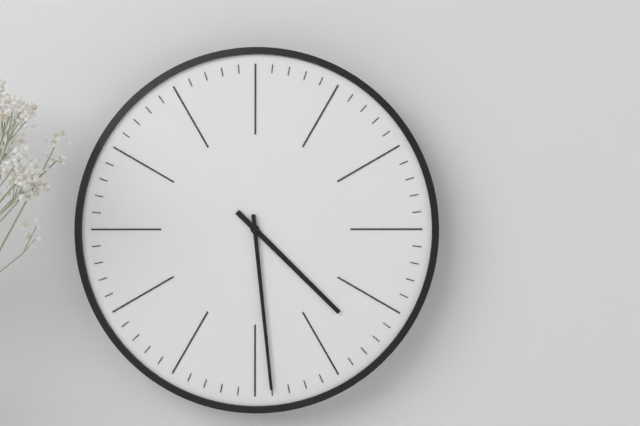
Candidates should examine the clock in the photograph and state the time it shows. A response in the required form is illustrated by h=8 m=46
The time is h=4 m=29
